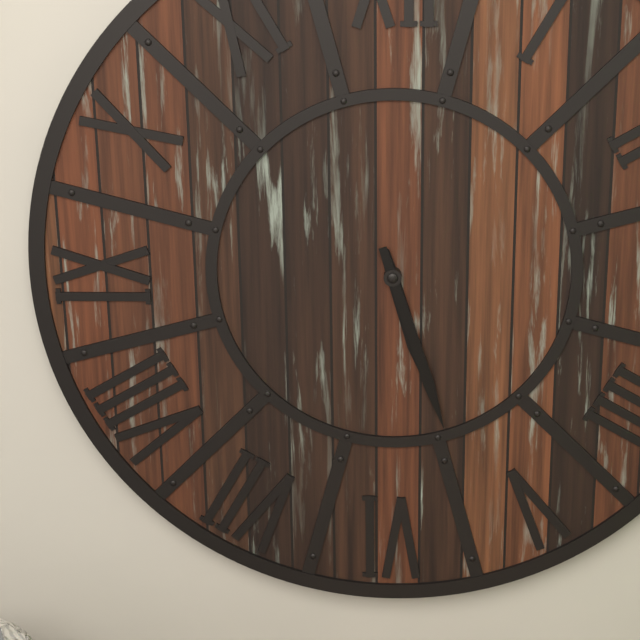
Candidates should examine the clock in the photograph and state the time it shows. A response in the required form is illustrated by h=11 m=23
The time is h=5 m=27
